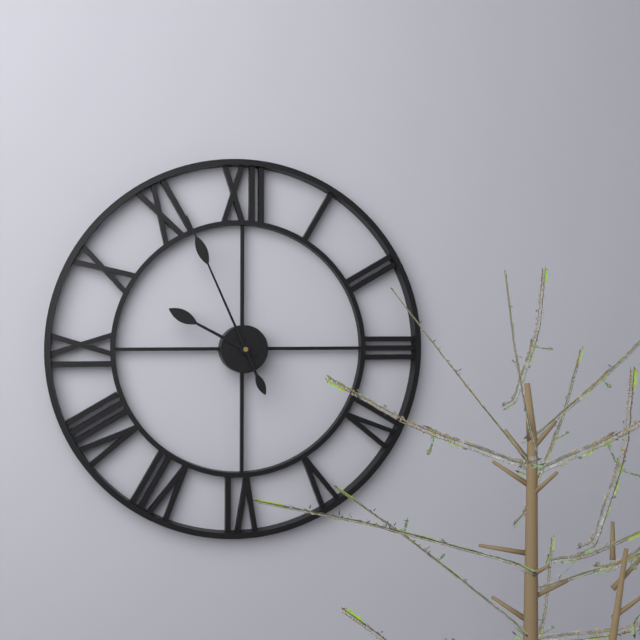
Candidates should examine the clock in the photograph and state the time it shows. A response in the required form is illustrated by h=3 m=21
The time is h=9 m=56
